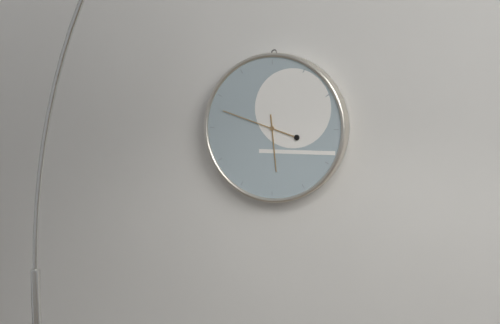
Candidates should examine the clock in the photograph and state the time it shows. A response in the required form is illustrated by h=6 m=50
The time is h=5 m=48
